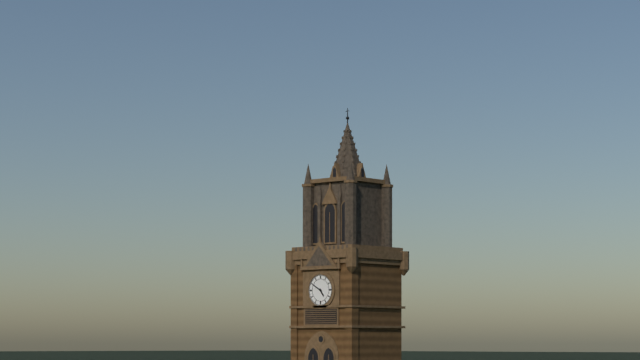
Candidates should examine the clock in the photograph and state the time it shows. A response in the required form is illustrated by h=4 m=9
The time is h=4 m=50
